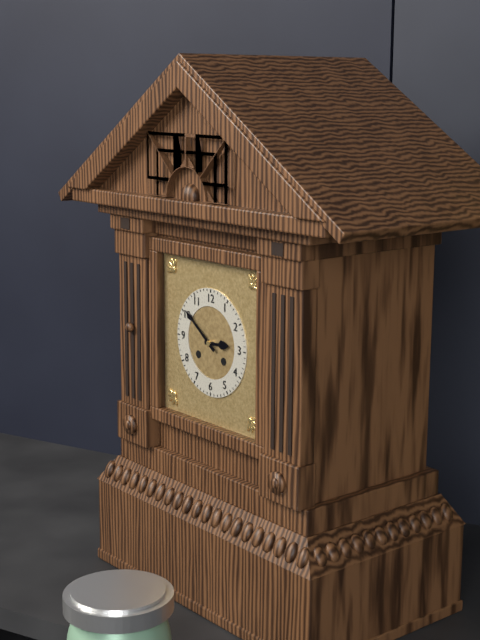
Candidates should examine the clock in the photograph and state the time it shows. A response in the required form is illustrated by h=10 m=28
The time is h=2 m=51
